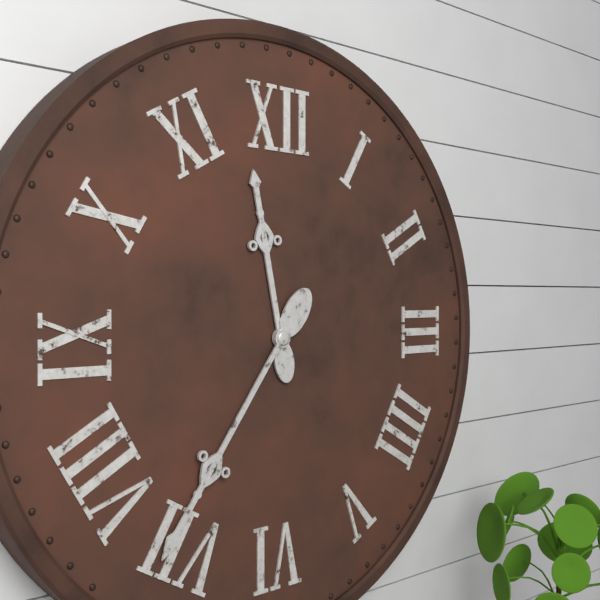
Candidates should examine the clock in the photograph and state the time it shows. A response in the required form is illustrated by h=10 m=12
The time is h=11 m=36
